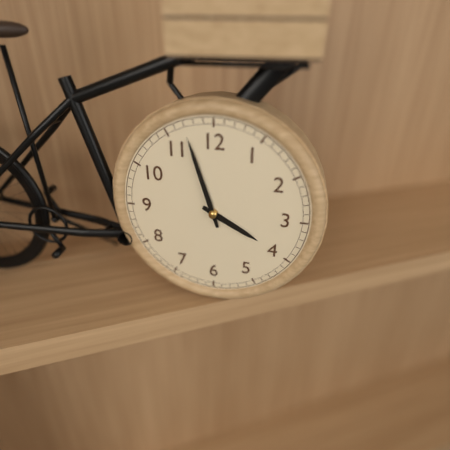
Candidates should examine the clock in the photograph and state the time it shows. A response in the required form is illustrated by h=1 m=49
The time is h=3 m=57
